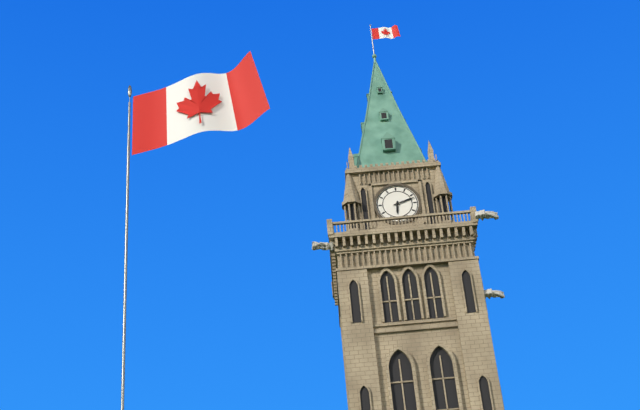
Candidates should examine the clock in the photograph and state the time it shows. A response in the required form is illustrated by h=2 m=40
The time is h=6 m=12
